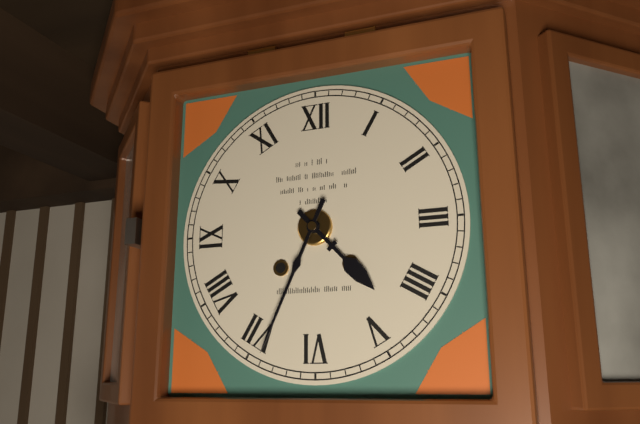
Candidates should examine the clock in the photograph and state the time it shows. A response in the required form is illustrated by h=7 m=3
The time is h=4 m=34
